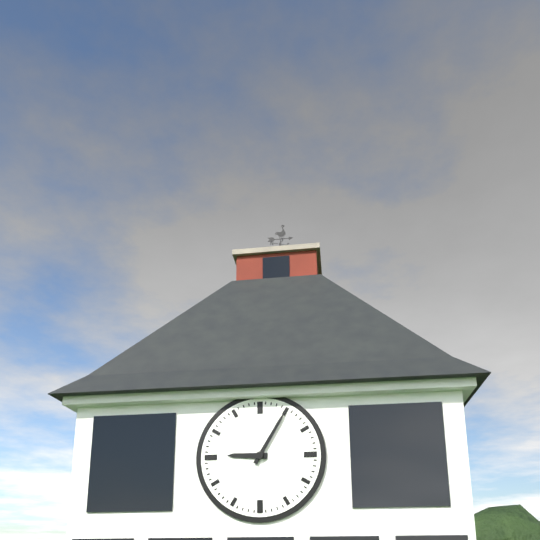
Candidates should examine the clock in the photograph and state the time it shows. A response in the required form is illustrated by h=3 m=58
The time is h=9 m=5
